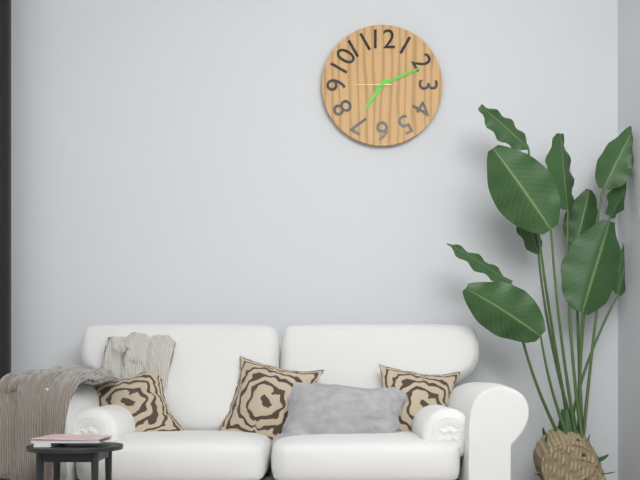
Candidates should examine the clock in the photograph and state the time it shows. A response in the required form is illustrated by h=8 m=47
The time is h=7 m=11
